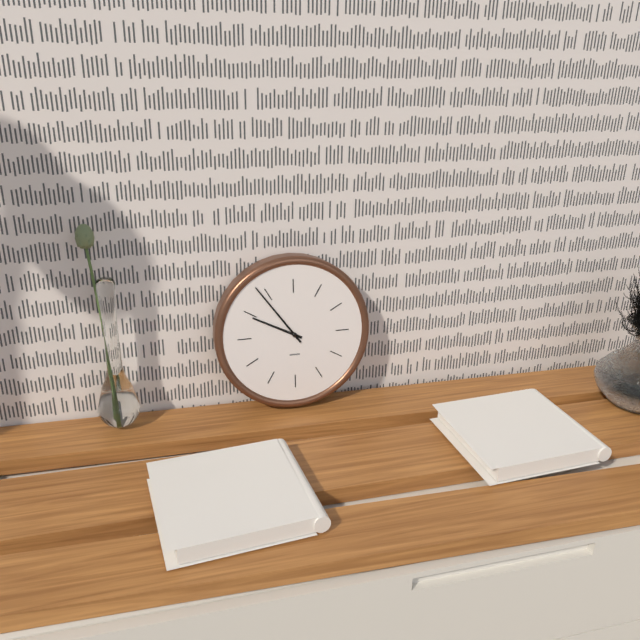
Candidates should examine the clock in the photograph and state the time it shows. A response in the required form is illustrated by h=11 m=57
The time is h=9 m=54
